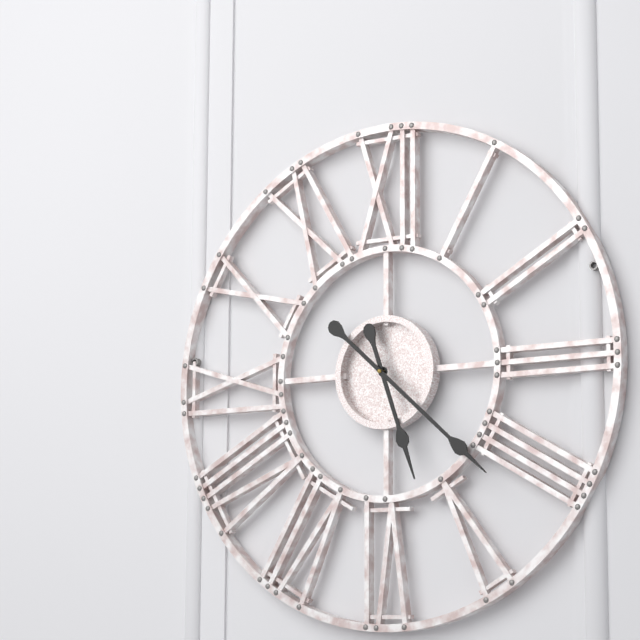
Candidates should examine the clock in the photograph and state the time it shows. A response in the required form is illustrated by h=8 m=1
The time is h=5 m=22
